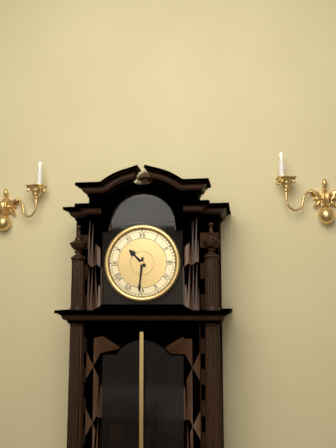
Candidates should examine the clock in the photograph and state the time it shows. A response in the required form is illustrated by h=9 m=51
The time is h=10 m=31
